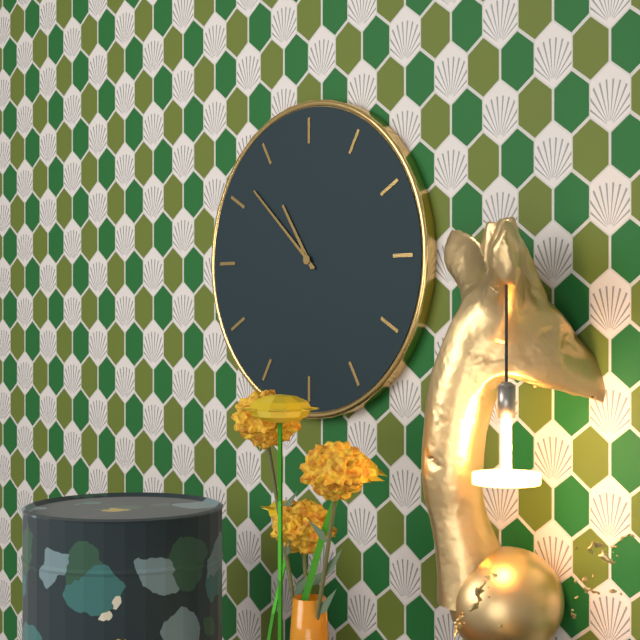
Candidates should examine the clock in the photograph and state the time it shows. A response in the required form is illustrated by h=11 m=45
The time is h=10 m=52
